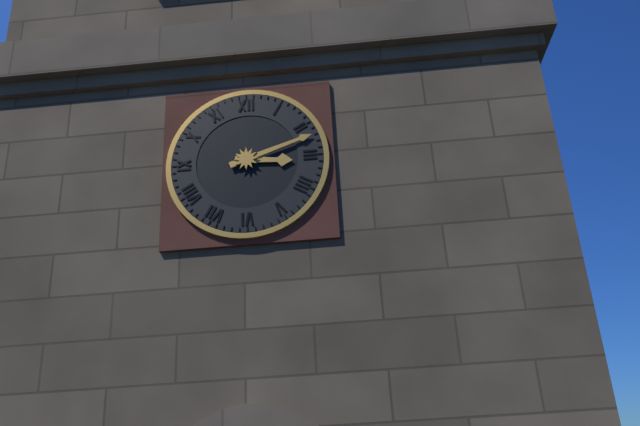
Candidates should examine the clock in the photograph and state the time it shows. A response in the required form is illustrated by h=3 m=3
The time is h=3 m=12
